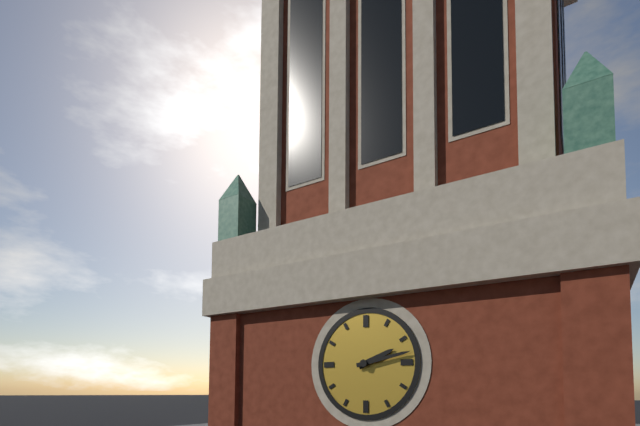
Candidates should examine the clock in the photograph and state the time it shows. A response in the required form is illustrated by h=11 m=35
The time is h=2 m=13
